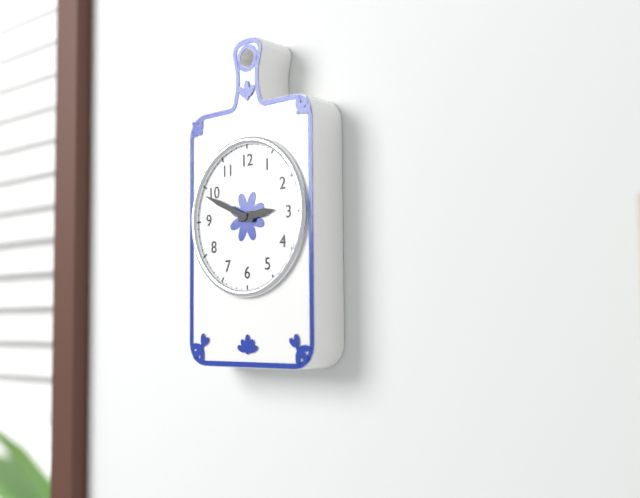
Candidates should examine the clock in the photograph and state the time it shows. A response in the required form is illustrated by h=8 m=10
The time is h=2 m=49
